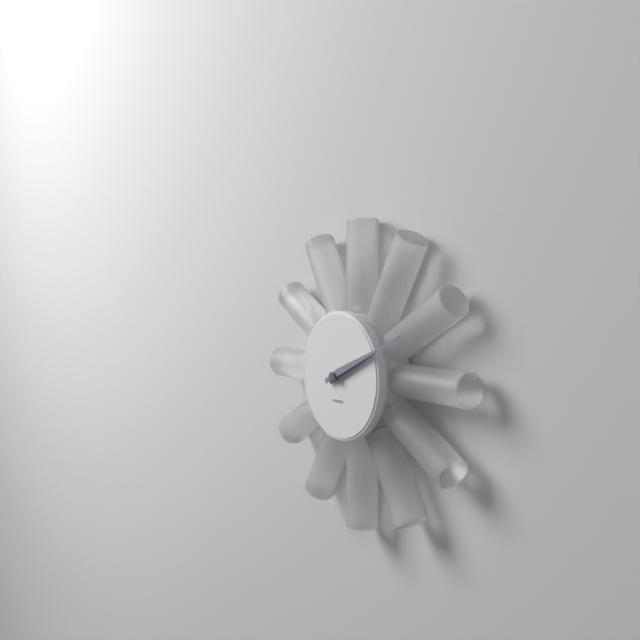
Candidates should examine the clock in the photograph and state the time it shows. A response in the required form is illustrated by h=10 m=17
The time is h=2 m=11
